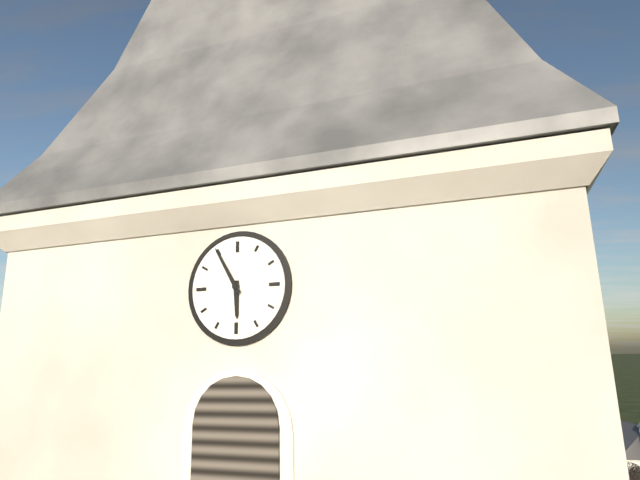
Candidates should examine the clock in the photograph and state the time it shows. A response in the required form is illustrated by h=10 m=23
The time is h=5 m=55
